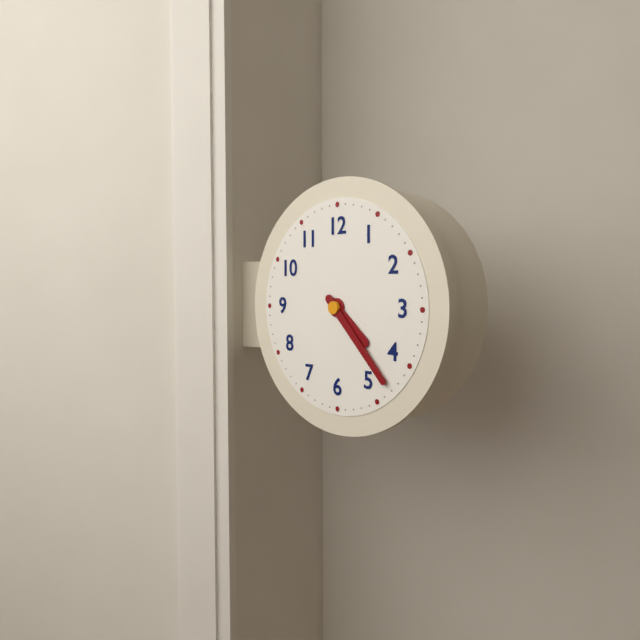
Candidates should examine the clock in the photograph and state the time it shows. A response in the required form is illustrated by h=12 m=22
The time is h=4 m=23
